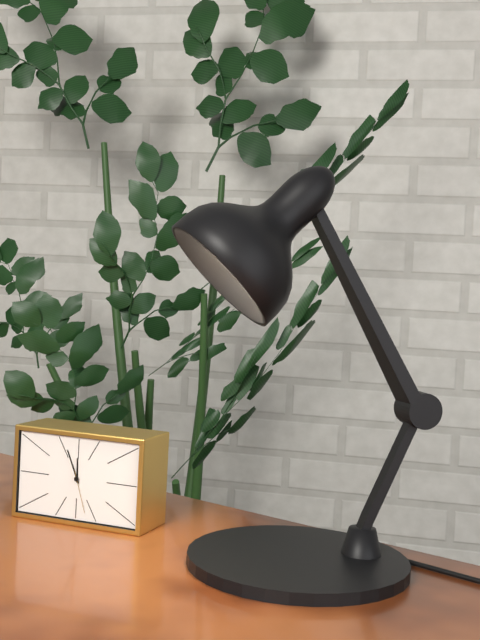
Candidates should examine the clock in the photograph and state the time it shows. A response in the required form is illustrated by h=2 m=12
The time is h=11 m=56
